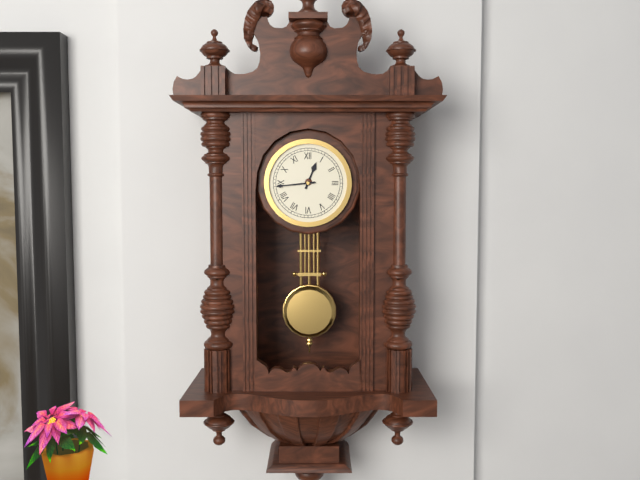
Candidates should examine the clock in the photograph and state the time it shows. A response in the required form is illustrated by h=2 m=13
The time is h=12 m=44
